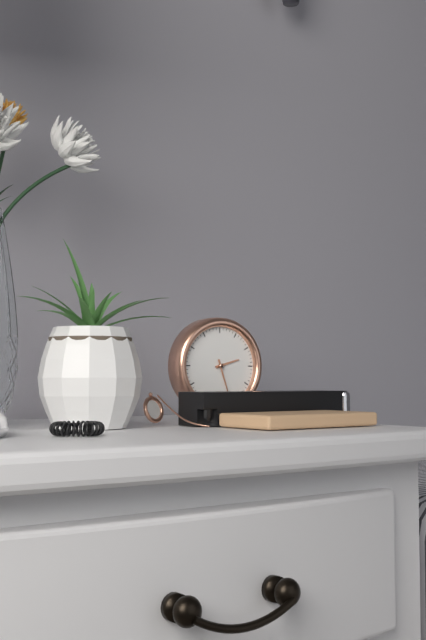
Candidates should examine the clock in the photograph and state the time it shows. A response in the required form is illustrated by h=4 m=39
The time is h=2 m=27
